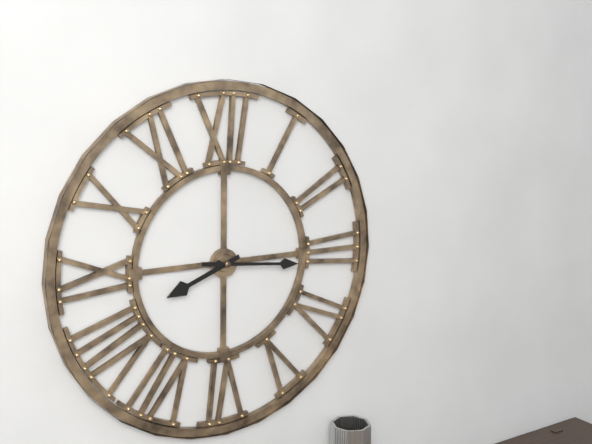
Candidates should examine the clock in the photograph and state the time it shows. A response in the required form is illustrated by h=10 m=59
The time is h=8 m=16
